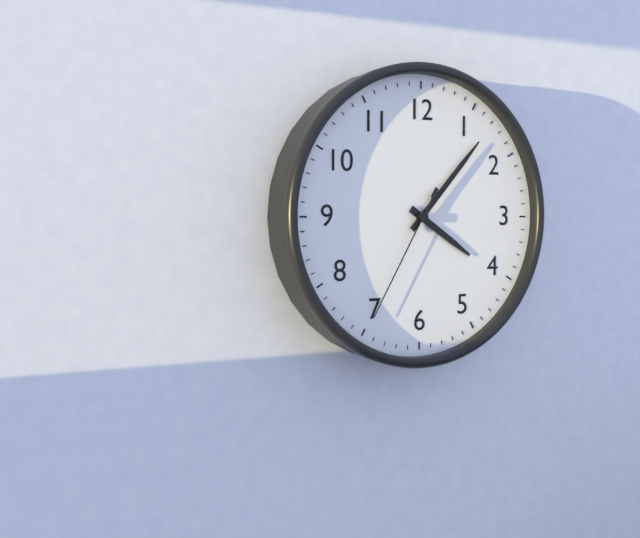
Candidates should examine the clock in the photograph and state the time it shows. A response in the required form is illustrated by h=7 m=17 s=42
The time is h=4 m=7 s=35
